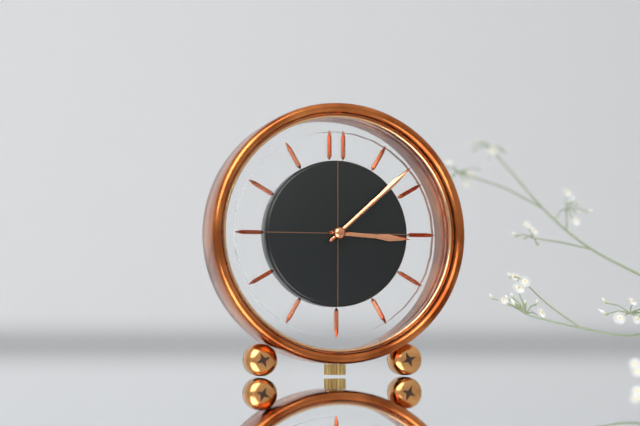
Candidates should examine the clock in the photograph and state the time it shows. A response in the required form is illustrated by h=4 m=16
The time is h=3 m=8
